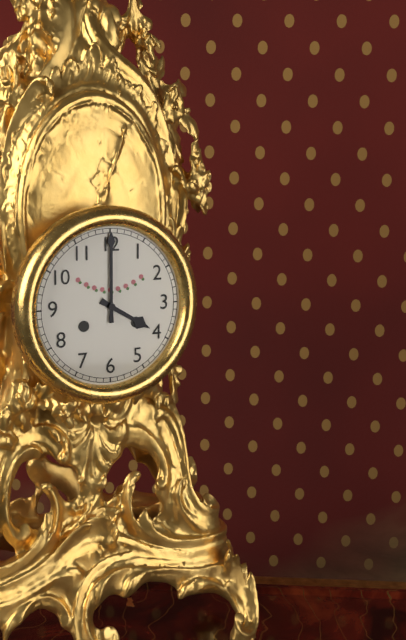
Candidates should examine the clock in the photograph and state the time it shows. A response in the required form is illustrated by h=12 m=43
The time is h=4 m=0
